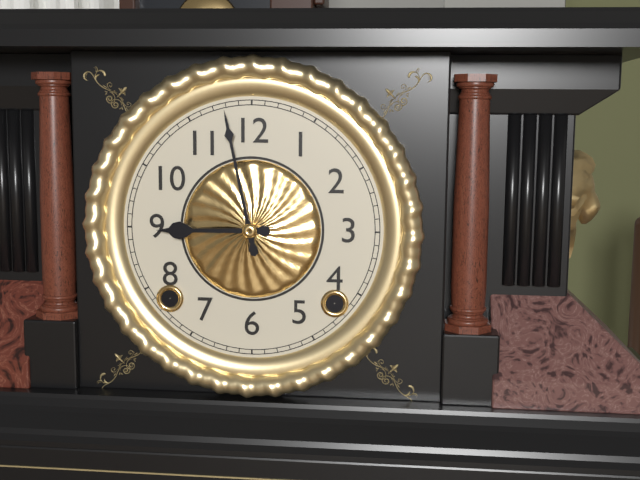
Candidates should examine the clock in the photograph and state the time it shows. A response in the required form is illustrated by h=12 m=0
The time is h=8 m=58
